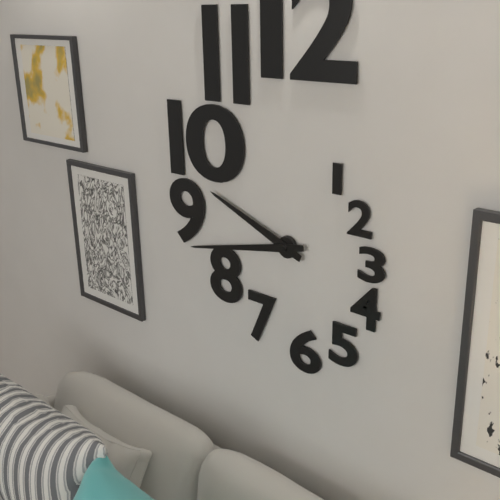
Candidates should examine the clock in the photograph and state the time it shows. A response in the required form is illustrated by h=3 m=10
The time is h=9 m=43
